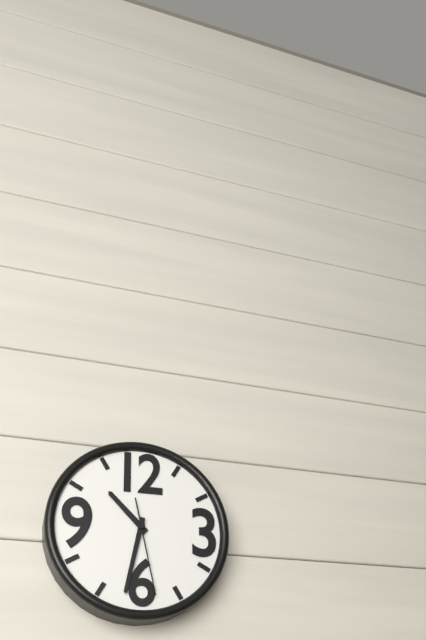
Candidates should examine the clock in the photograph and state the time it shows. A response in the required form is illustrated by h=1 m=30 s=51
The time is h=10 m=32 s=28
